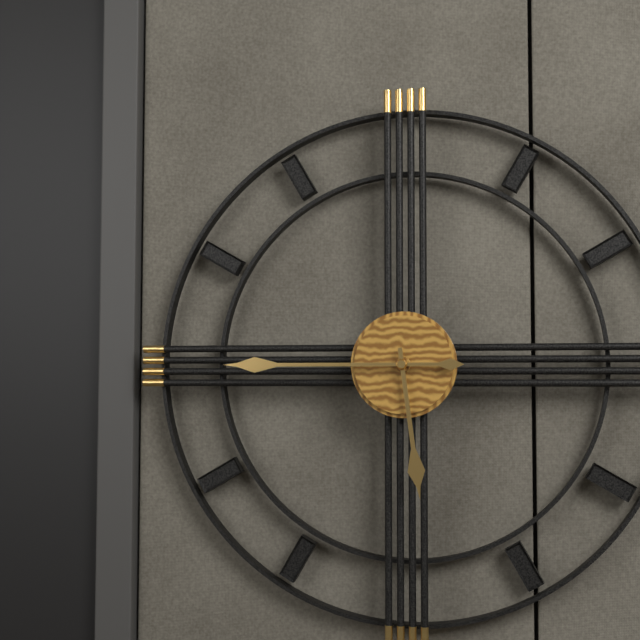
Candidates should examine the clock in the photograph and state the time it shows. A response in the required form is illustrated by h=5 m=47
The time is h=5 m=45
